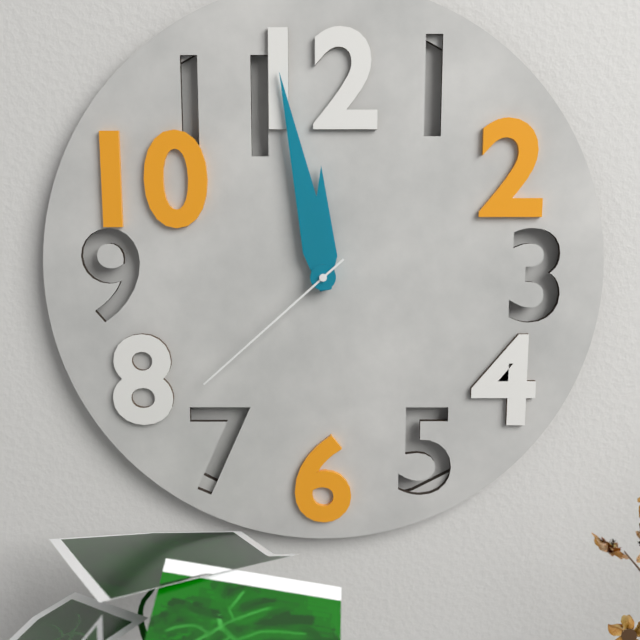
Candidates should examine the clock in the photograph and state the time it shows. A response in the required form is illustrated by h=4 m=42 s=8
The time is h=11 m=58 s=38
